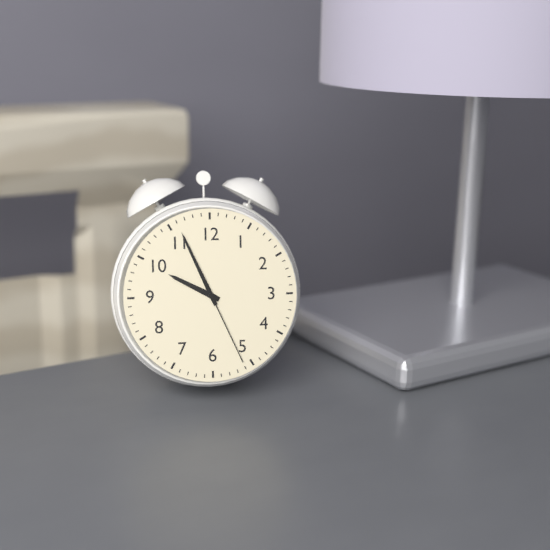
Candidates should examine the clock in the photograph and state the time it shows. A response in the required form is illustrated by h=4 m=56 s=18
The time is h=9 m=56 s=26
